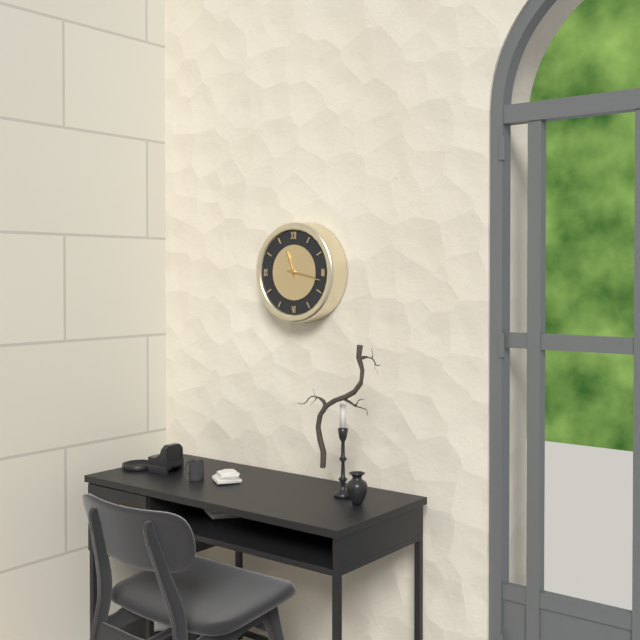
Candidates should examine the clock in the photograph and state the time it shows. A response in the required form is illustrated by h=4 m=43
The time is h=11 m=17
